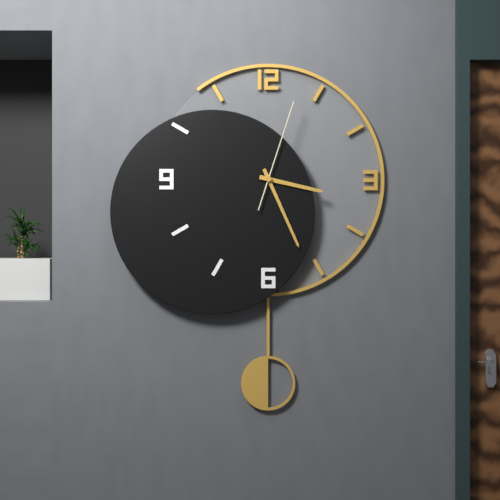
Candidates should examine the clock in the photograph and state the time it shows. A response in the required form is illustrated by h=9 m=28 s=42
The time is h=3 m=26 s=3
